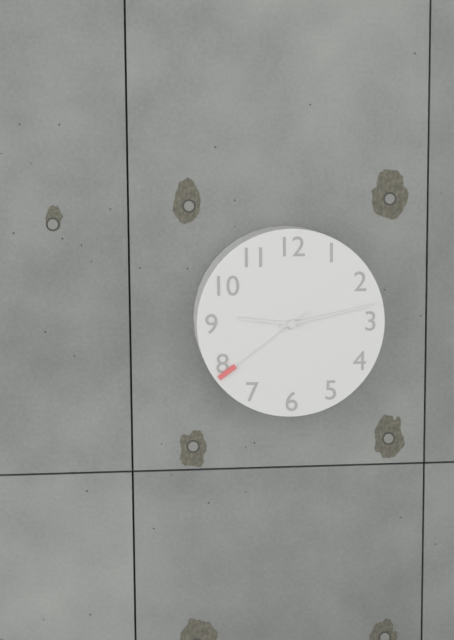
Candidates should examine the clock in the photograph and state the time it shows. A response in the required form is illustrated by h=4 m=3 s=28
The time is h=9 m=13 s=39
